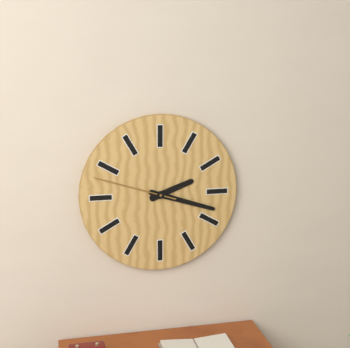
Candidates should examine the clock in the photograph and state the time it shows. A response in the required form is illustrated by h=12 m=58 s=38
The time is h=2 m=18 s=48
